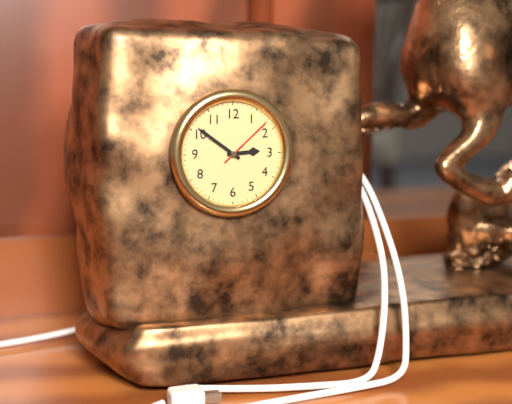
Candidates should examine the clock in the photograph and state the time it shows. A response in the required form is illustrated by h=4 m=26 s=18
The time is h=2 m=51 s=8
